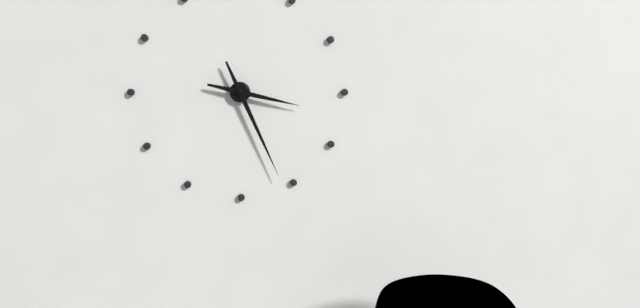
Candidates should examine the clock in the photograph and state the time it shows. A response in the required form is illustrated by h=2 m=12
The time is h=3 m=26
